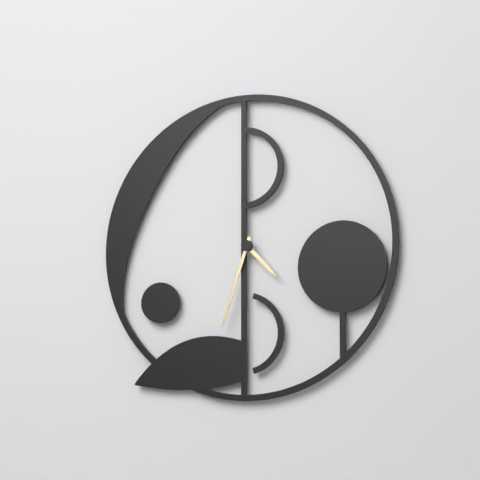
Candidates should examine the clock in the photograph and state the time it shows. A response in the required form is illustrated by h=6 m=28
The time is h=4 m=33
